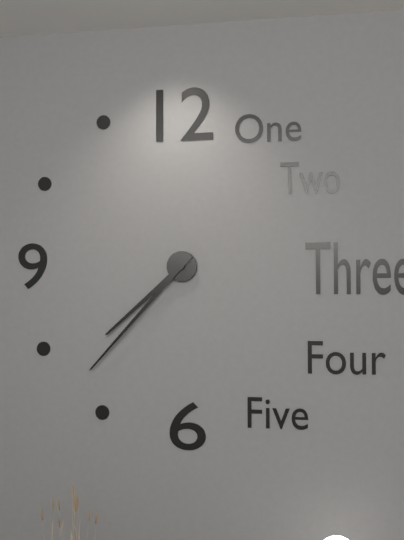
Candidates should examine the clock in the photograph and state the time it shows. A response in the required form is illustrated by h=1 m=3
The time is h=7 m=37
